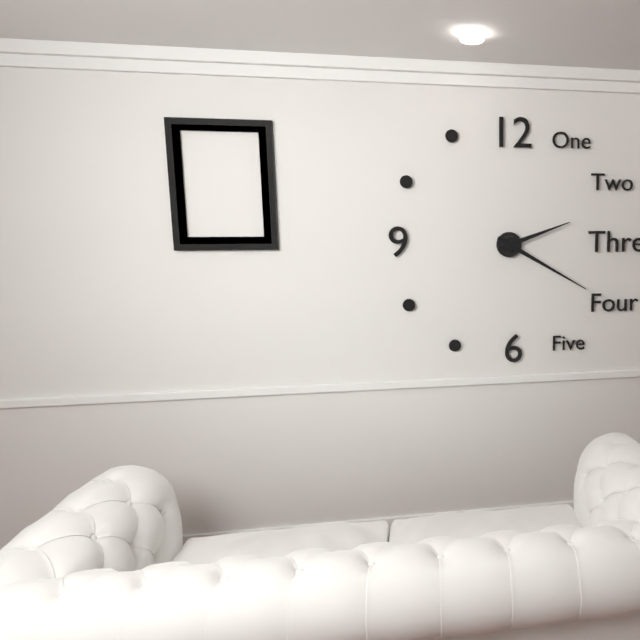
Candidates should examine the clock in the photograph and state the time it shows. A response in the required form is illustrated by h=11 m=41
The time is h=2 m=20
